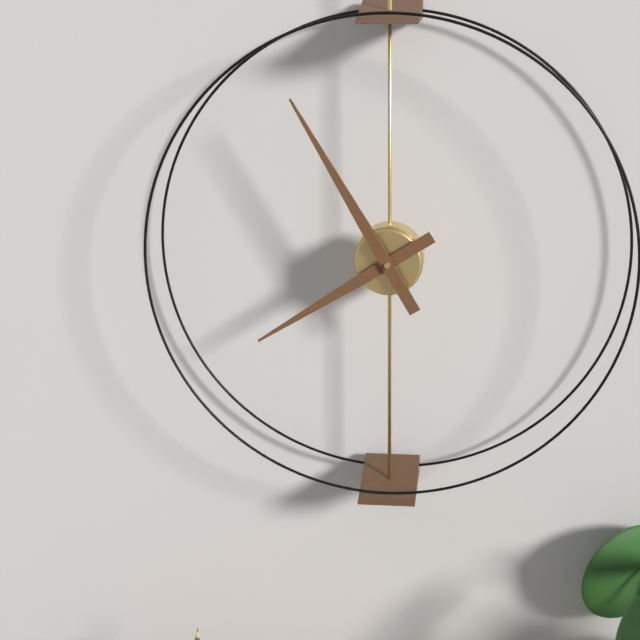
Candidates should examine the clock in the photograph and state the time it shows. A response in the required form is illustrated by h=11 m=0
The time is h=7 m=55
